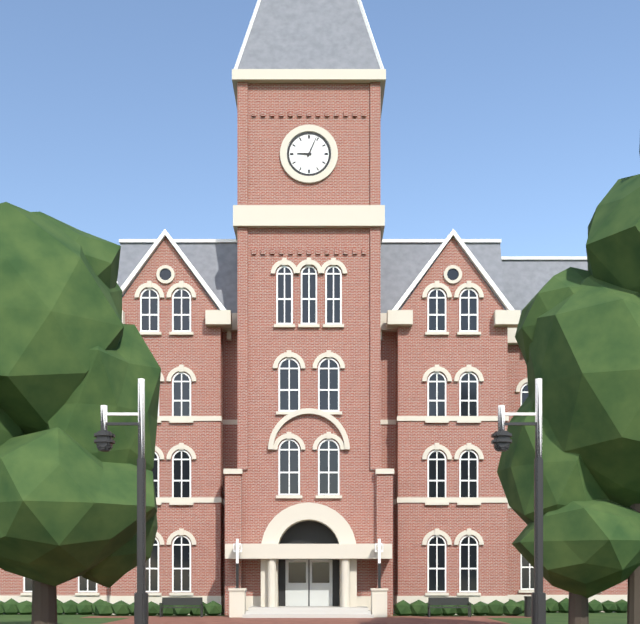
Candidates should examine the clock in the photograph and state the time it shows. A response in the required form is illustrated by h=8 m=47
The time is h=9 m=4
